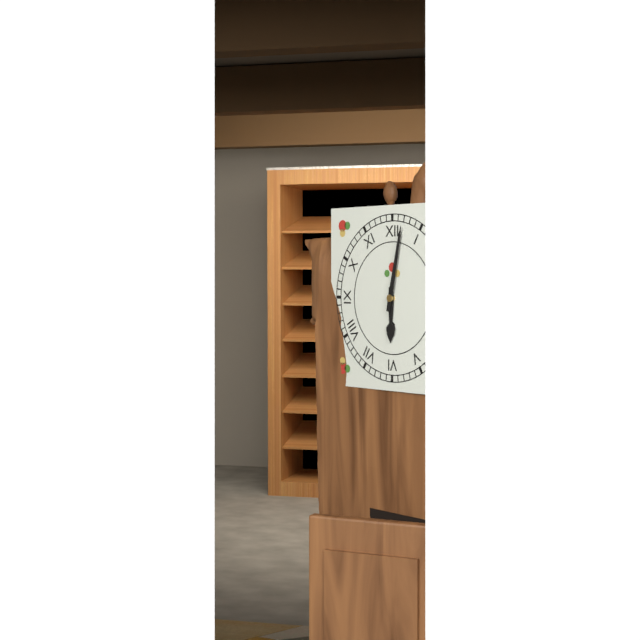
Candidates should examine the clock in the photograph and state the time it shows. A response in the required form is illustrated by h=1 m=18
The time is h=6 m=2
